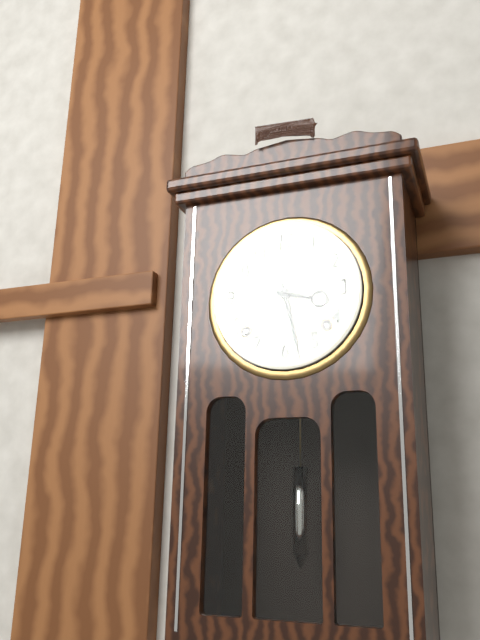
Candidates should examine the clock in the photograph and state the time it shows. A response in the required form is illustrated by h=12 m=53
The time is h=3 m=28
